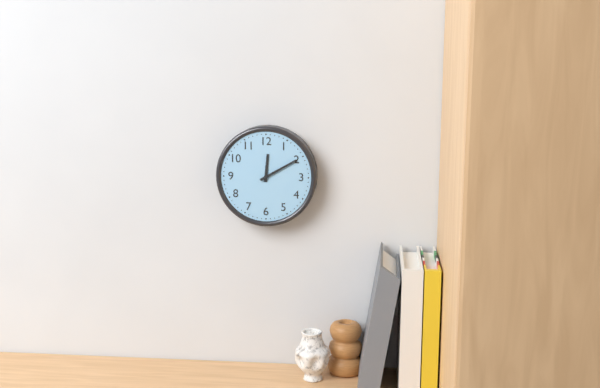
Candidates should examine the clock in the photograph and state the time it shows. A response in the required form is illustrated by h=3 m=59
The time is h=12 m=10
